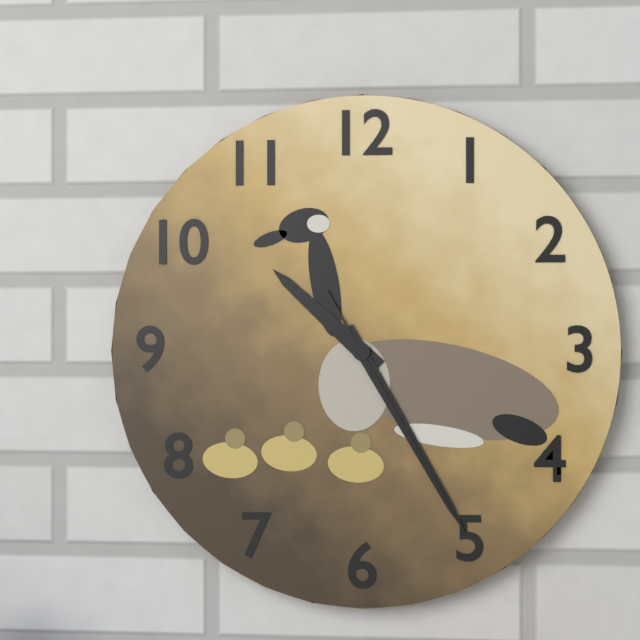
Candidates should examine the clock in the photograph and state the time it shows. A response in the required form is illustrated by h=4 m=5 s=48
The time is h=10 m=25 s=25
